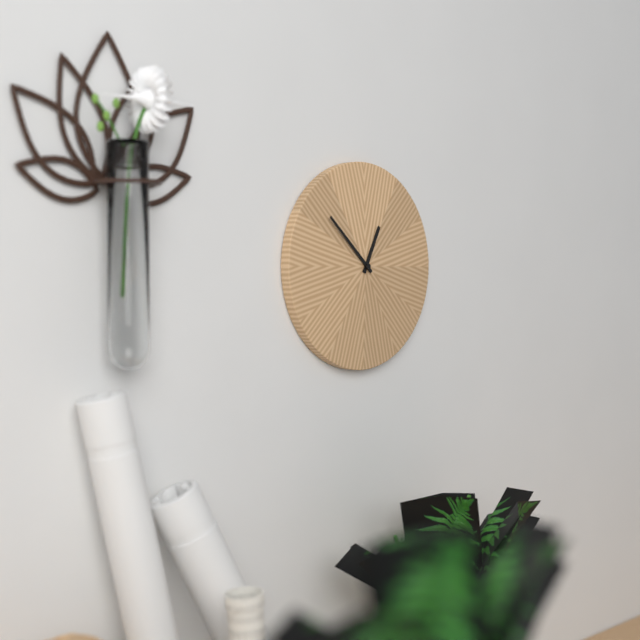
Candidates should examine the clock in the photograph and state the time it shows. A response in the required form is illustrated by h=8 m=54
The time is h=12 m=52
